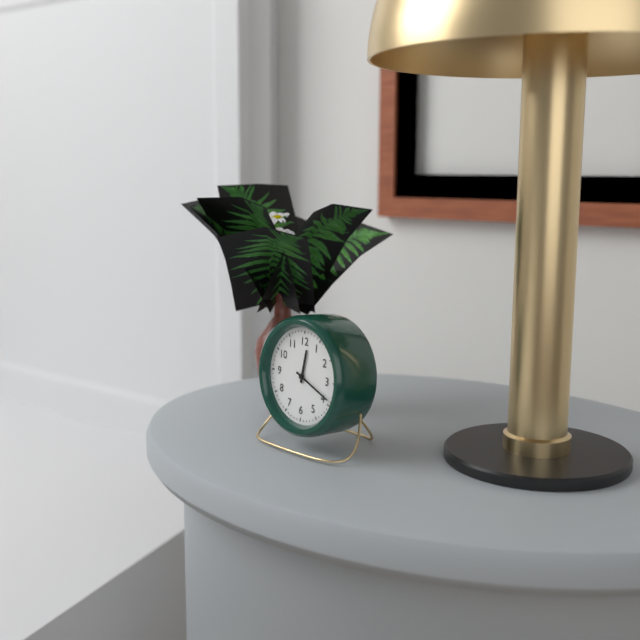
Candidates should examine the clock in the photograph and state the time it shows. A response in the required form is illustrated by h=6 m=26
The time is h=12 m=19
